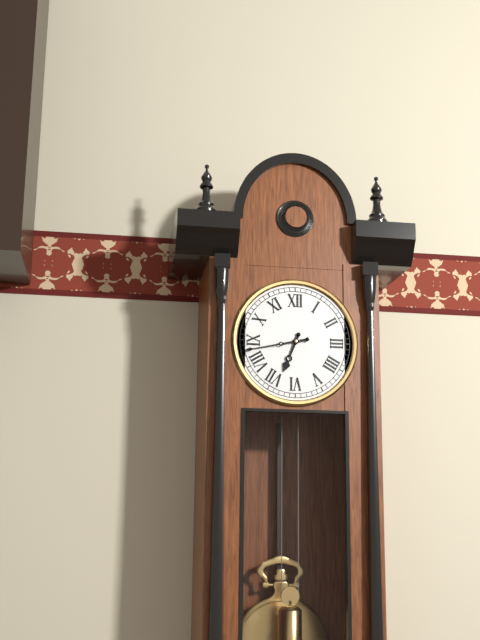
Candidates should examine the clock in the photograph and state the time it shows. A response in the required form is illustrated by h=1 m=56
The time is h=6 m=43
